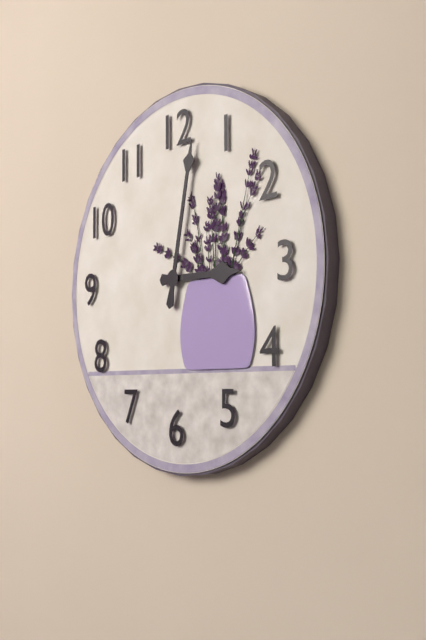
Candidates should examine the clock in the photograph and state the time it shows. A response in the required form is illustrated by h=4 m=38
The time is h=3 m=2
